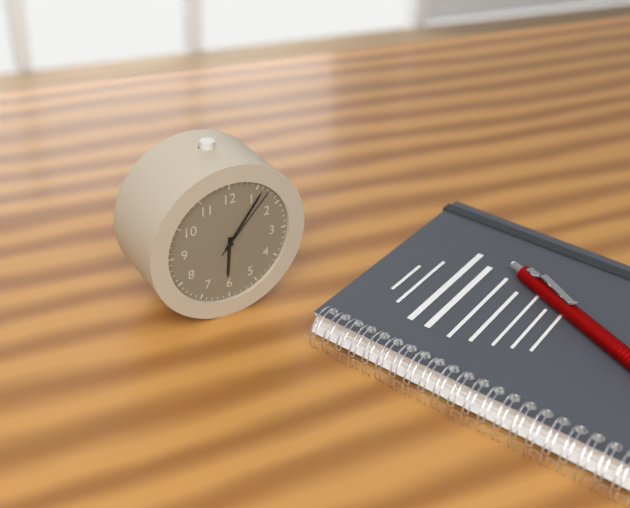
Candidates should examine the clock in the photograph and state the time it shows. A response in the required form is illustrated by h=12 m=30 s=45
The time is h=6 m=6 s=7
